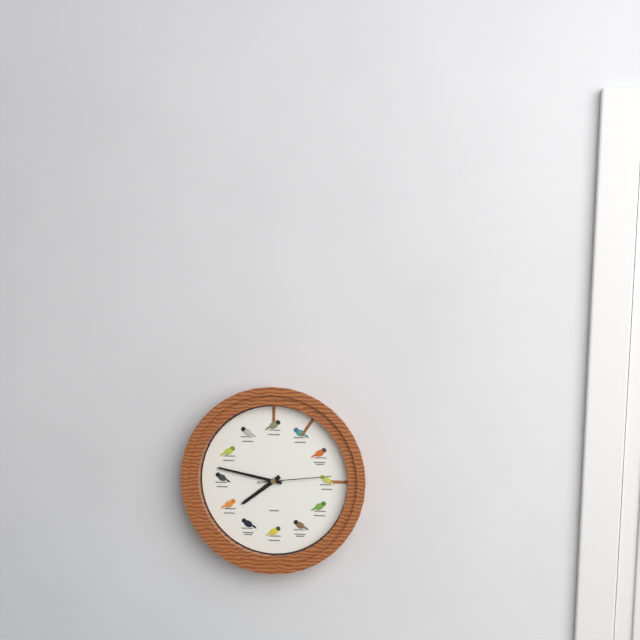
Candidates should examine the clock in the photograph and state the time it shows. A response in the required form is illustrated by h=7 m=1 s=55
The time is h=7 m=47 s=14
